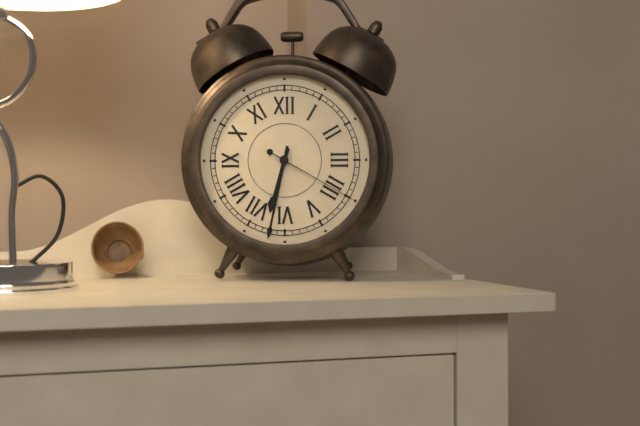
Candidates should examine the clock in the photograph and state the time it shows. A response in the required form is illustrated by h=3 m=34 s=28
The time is h=6 m=32 s=20
